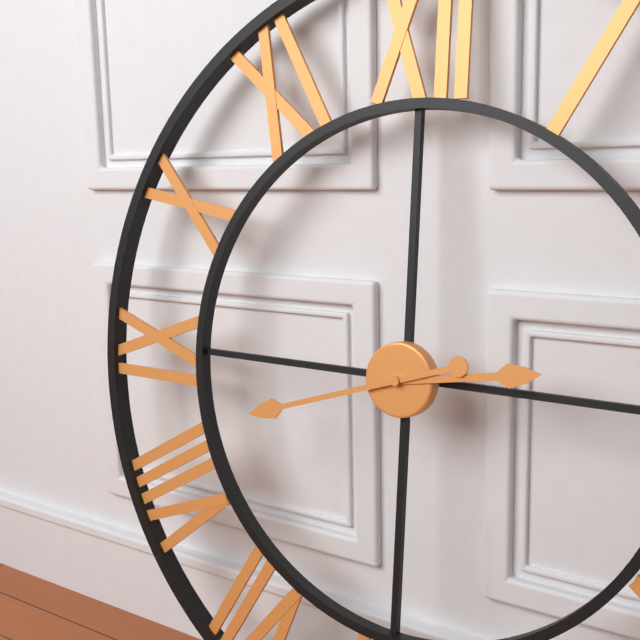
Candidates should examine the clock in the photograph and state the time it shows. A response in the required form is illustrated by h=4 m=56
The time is h=2 m=42
